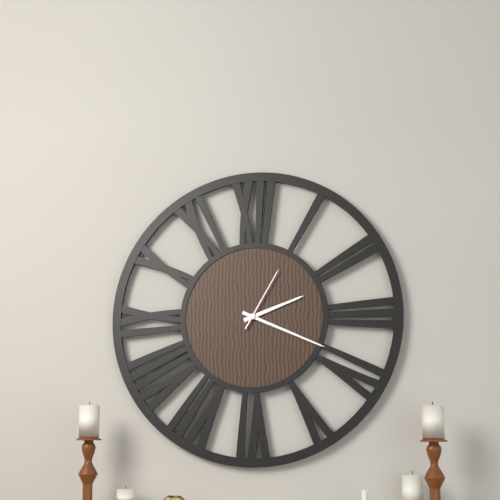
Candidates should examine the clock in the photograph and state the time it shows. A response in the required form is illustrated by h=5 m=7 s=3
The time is h=2 m=19 s=5
